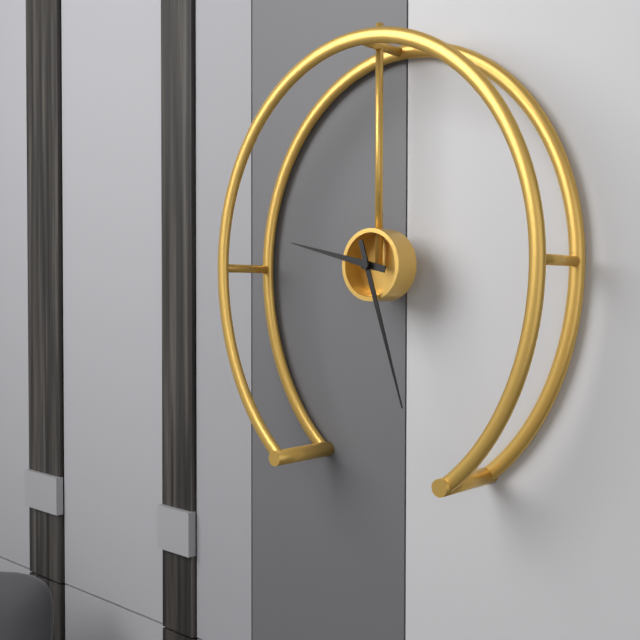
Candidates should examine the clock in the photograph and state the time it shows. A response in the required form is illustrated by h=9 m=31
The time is h=9 m=27
